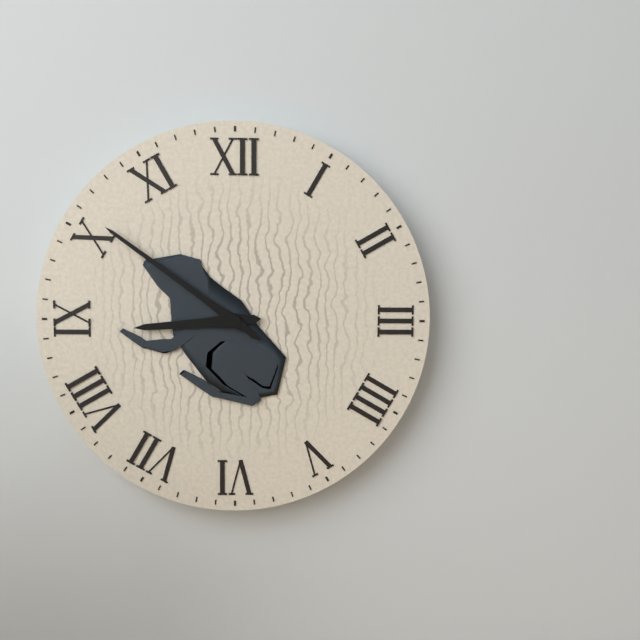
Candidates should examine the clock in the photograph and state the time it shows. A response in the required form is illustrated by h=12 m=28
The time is h=8 m=51
